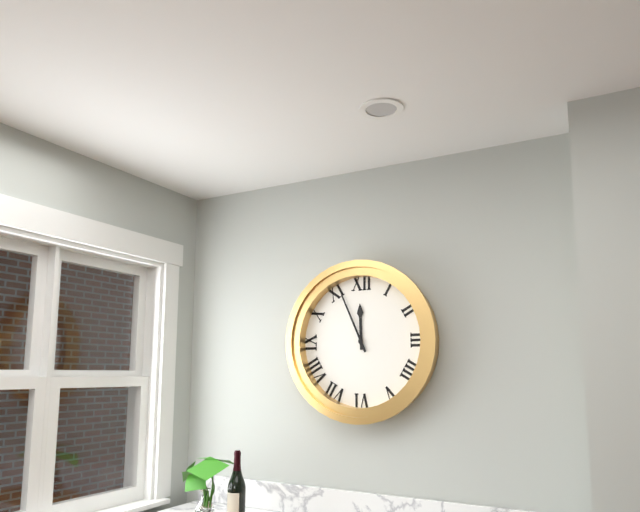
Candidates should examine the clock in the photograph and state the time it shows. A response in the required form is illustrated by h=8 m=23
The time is h=11 m=56
